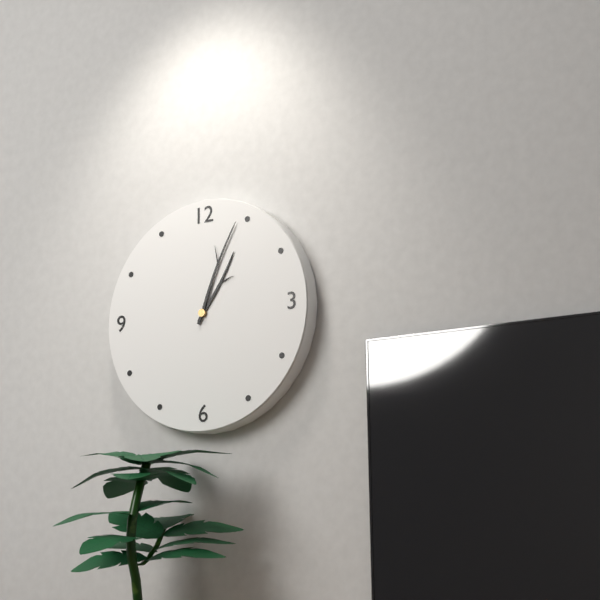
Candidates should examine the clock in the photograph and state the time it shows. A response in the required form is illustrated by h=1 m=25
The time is h=1 m=4
